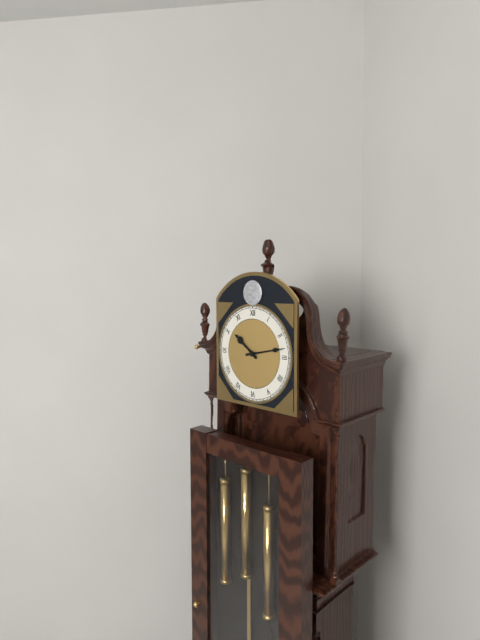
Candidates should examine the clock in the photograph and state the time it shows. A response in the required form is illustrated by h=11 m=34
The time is h=10 m=13
